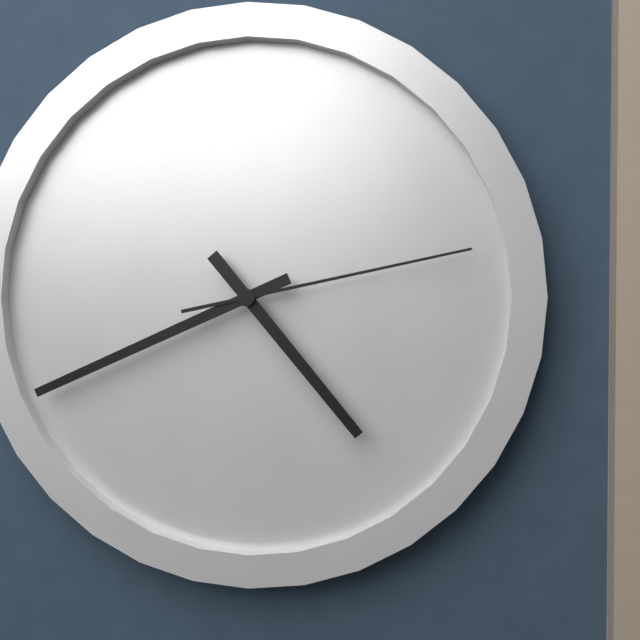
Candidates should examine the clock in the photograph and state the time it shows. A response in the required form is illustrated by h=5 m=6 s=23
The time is h=4 m=41 s=13
